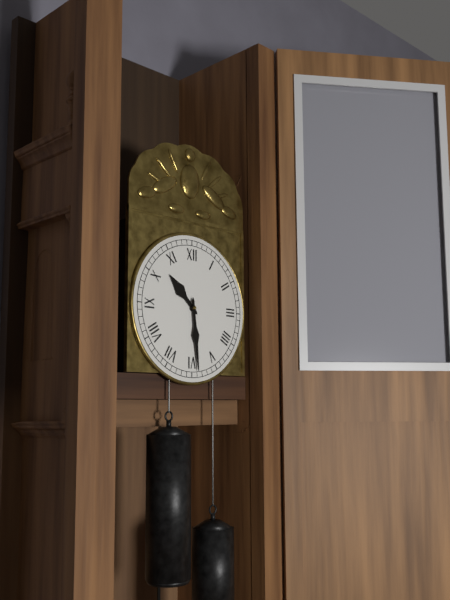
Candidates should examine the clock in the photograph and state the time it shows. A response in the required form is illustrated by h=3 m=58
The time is h=10 m=29
